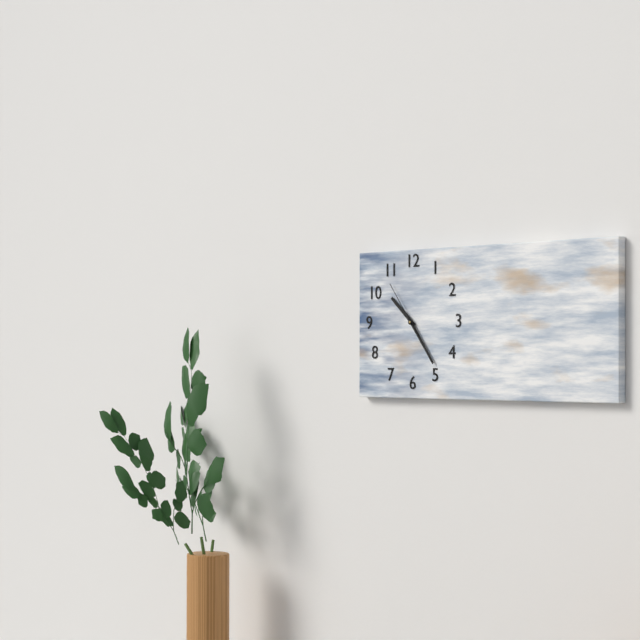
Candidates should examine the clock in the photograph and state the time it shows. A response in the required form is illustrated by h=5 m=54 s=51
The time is h=10 m=24 s=54
